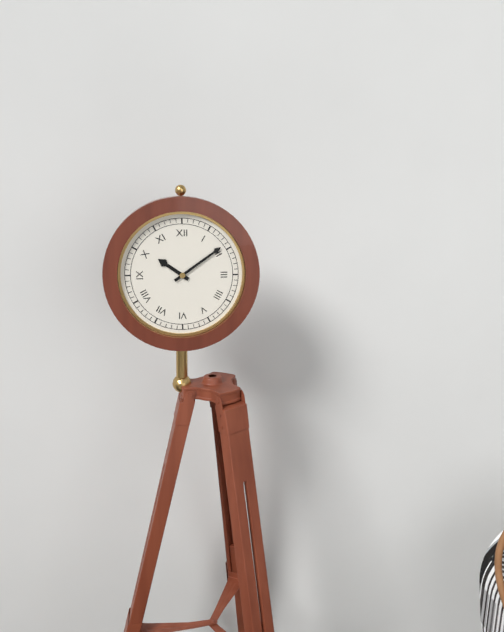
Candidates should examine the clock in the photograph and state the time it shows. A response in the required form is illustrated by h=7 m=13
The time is h=10 m=9
